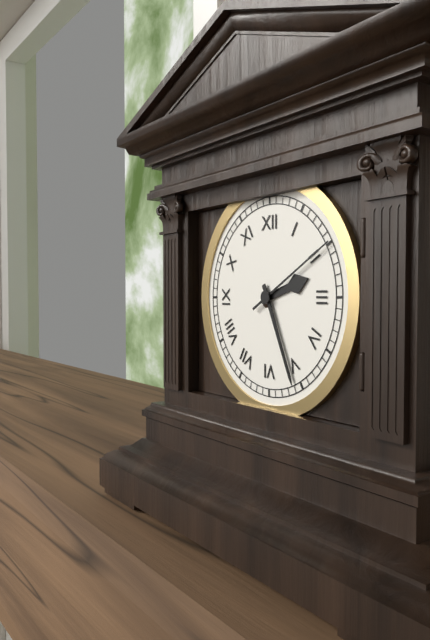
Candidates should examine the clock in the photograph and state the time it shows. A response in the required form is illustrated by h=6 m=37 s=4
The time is h=2 m=26 s=10
